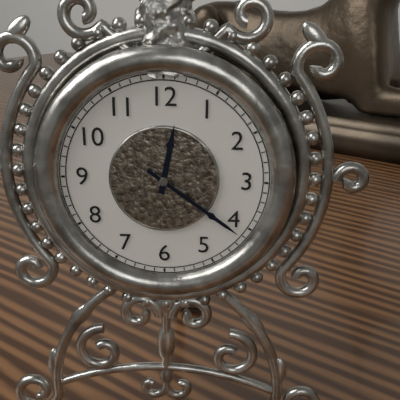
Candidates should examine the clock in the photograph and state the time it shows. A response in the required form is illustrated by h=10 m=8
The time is h=12 m=21
